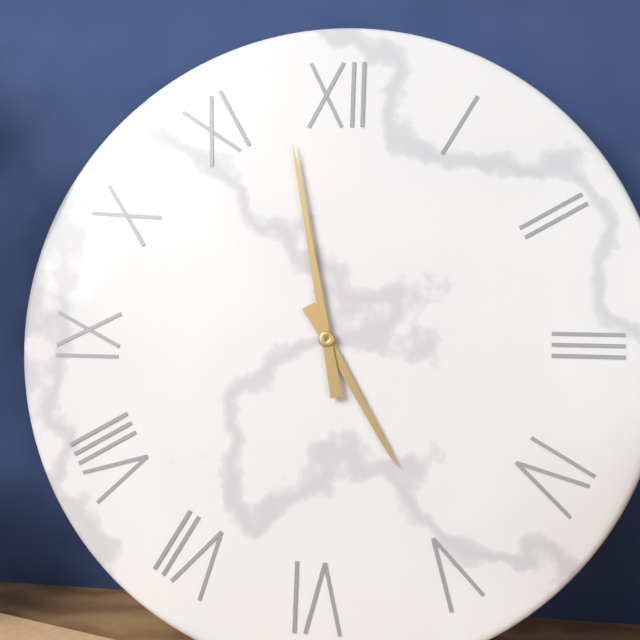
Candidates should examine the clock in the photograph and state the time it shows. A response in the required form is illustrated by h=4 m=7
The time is h=4 m=58
